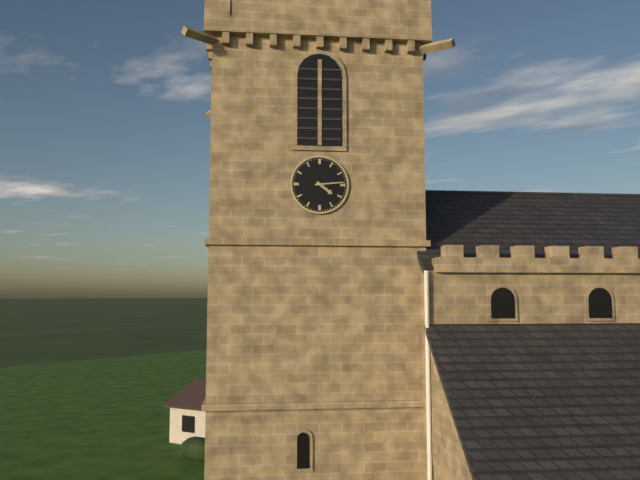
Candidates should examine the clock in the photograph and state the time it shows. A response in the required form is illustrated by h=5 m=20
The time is h=4 m=14
